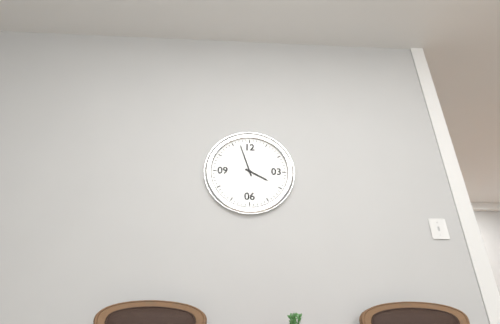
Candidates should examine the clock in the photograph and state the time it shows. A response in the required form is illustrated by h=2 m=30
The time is h=3 m=57
